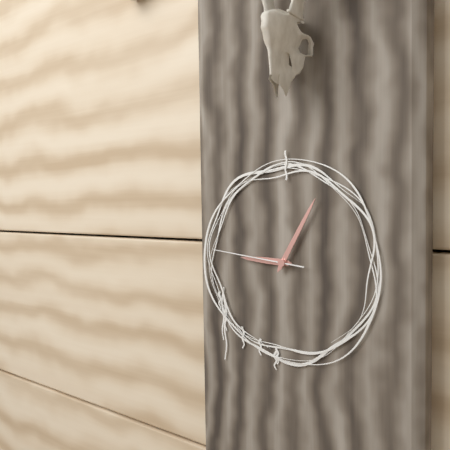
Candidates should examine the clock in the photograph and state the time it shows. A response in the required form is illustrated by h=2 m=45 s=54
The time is h=9 m=5 s=46
